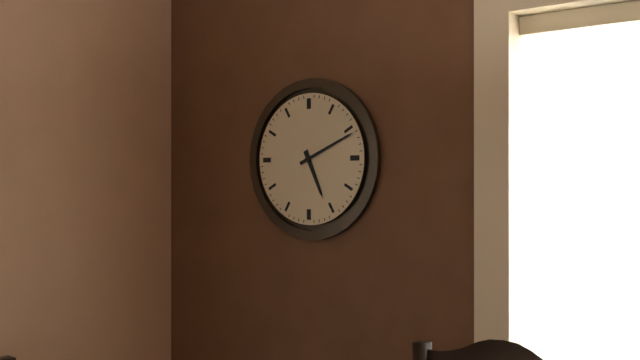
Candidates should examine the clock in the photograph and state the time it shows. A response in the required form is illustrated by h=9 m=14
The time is h=5 m=11
